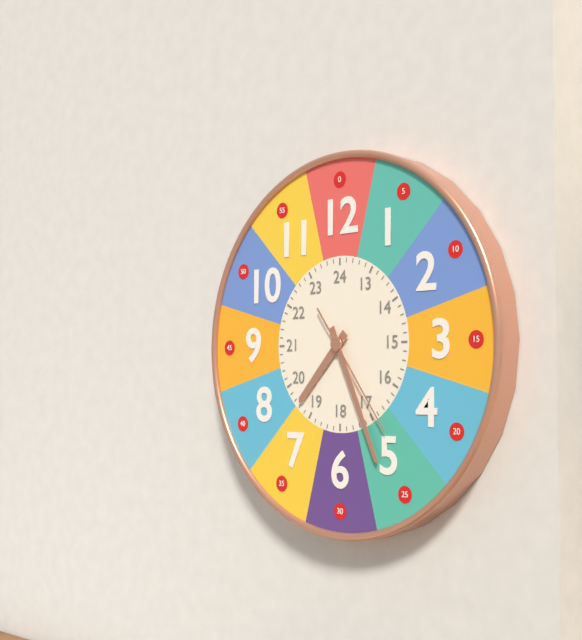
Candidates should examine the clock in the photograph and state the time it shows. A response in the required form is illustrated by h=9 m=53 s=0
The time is h=7 m=26 s=24
